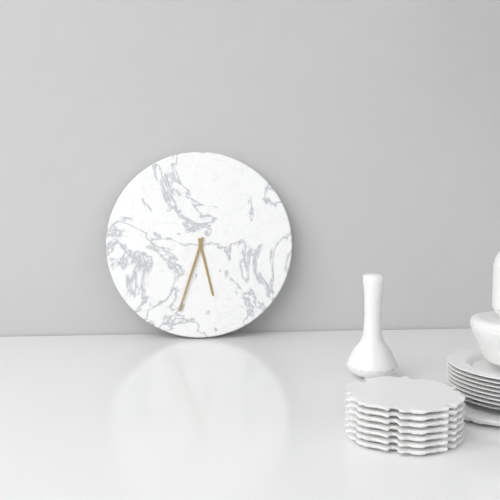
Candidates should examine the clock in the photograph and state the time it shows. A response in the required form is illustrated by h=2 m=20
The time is h=5 m=33
